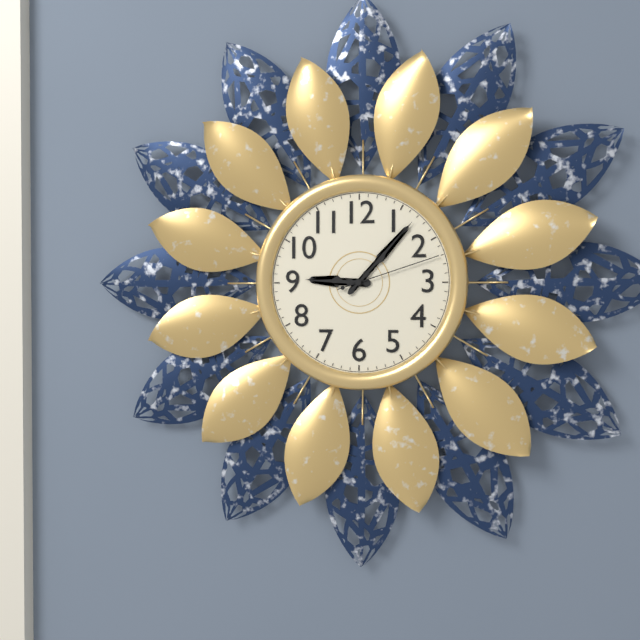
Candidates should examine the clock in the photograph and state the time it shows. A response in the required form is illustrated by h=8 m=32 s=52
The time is h=9 m=7 s=12
